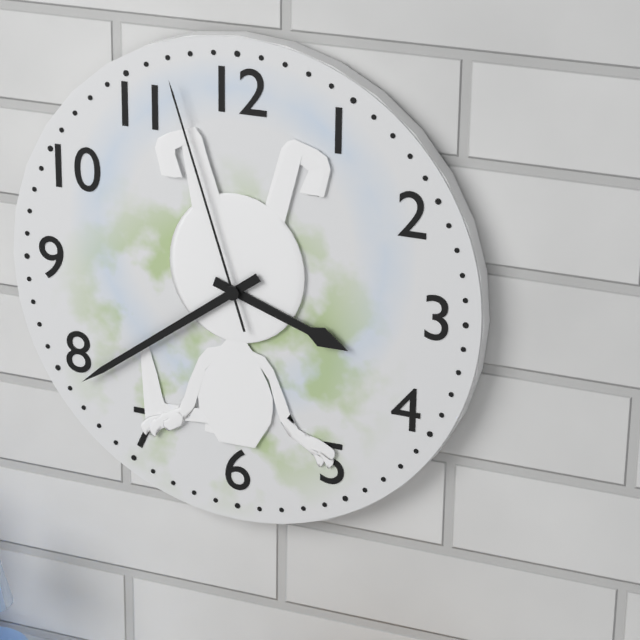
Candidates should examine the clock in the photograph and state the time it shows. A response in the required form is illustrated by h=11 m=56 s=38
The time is h=3 m=39 s=57
